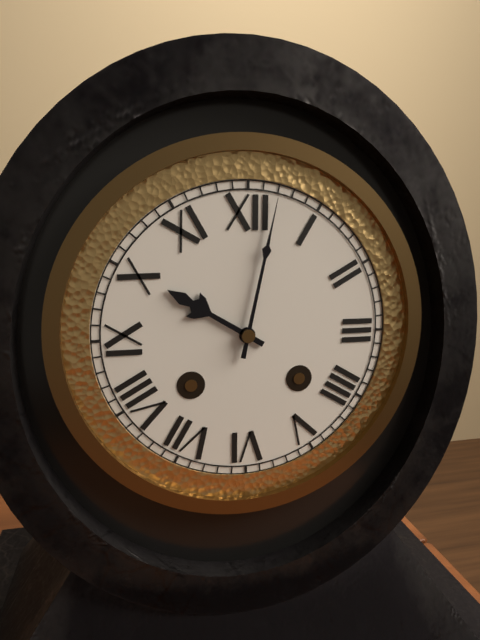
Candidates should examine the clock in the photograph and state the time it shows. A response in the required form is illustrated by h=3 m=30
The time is h=10 m=2
